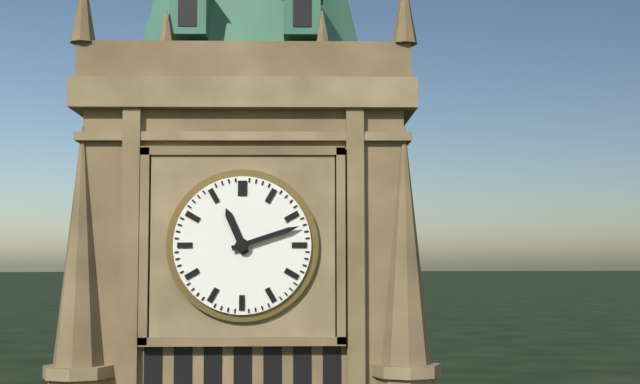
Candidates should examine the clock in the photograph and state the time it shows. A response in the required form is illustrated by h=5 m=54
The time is h=11 m=12
